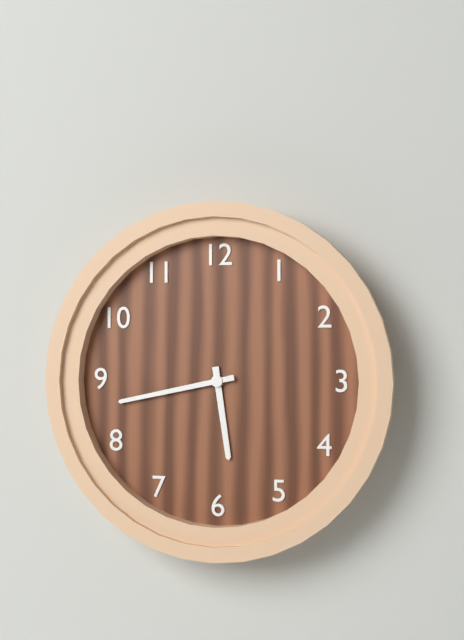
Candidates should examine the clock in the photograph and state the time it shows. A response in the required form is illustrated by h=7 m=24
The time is h=5 m=43
